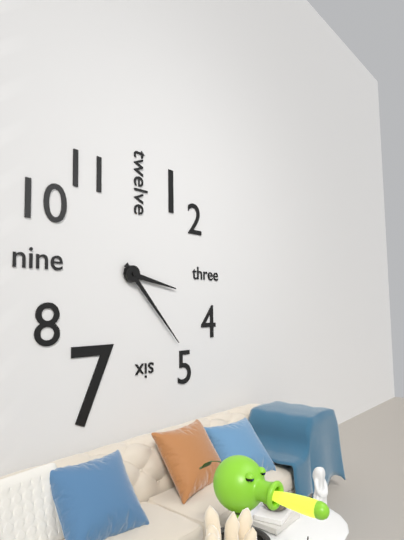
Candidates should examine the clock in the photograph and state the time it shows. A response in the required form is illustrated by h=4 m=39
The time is h=3 m=23
